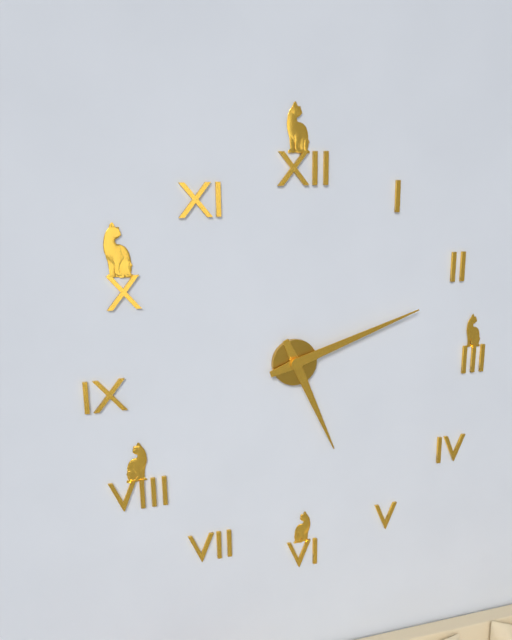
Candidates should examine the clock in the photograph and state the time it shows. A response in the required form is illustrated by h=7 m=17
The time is h=5 m=12
